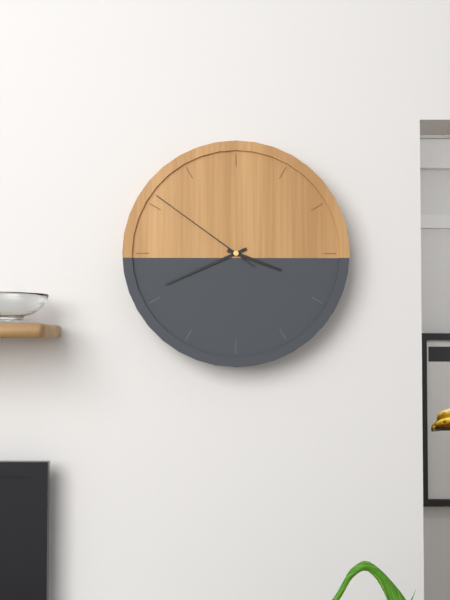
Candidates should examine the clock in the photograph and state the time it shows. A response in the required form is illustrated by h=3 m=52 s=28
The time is h=3 m=41 s=51
